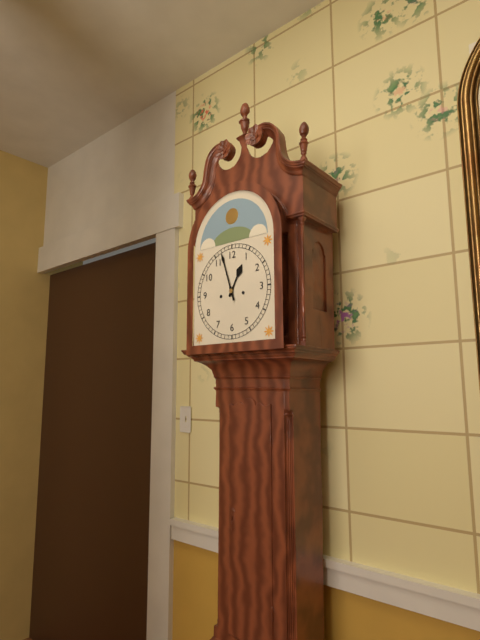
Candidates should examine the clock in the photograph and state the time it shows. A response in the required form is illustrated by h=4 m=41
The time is h=12 m=57
